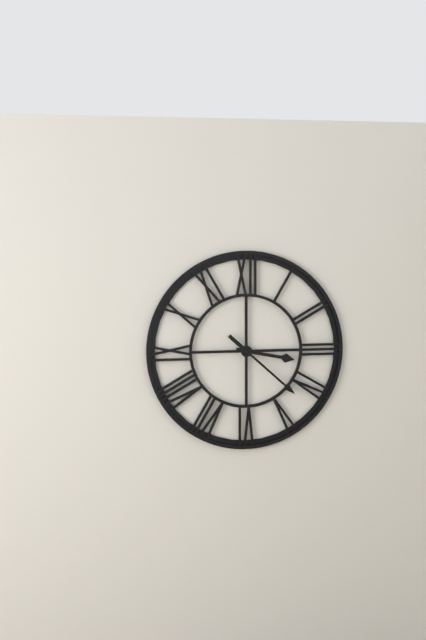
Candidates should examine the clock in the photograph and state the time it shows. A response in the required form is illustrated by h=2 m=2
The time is h=3 m=22
